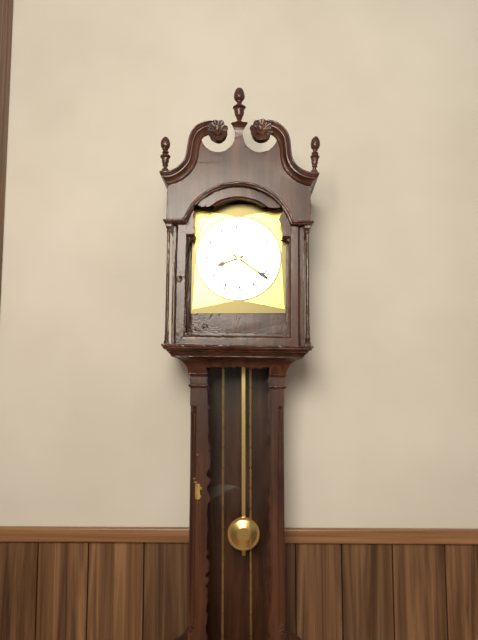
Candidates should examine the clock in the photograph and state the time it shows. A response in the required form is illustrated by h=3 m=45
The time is h=8 m=21
